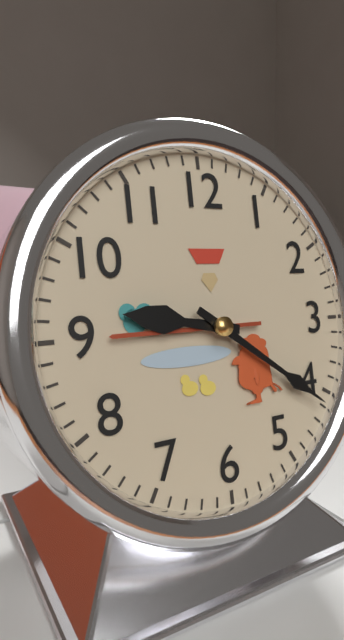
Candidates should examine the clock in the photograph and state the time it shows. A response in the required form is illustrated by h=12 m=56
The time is h=9 m=21
